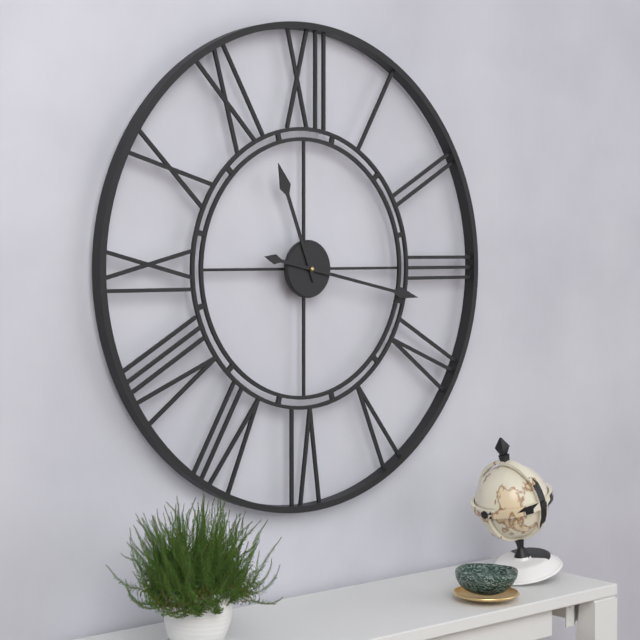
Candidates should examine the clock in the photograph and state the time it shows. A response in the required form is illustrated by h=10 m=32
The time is h=11 m=17
